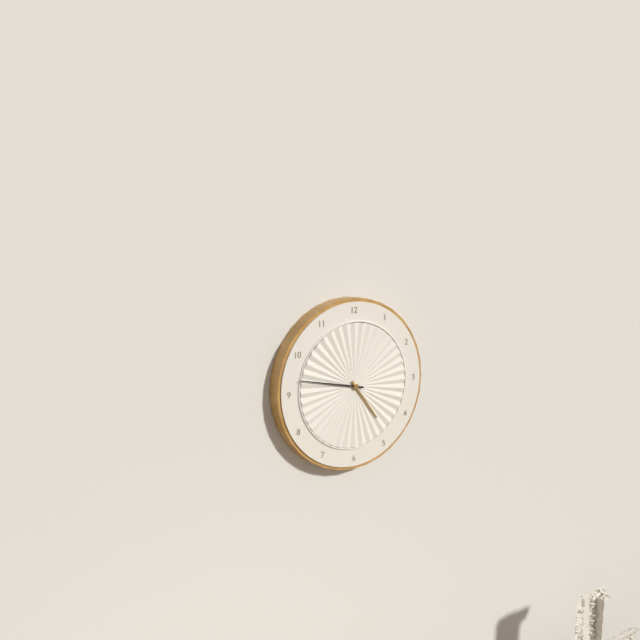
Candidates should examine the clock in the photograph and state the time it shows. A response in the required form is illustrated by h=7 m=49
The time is h=4 m=47
